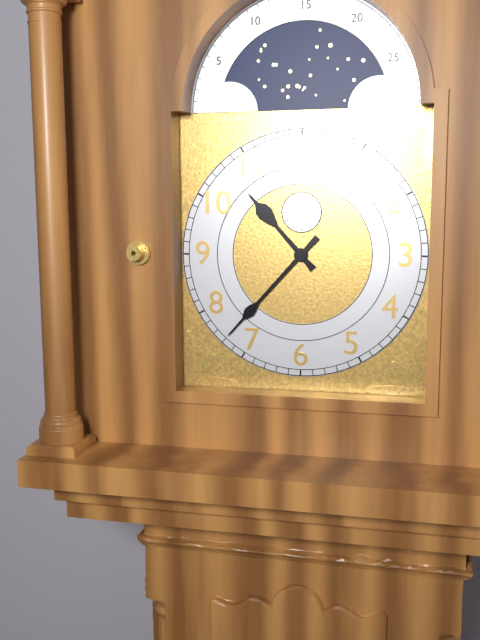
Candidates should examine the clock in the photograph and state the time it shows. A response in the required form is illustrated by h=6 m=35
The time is h=10 m=37
